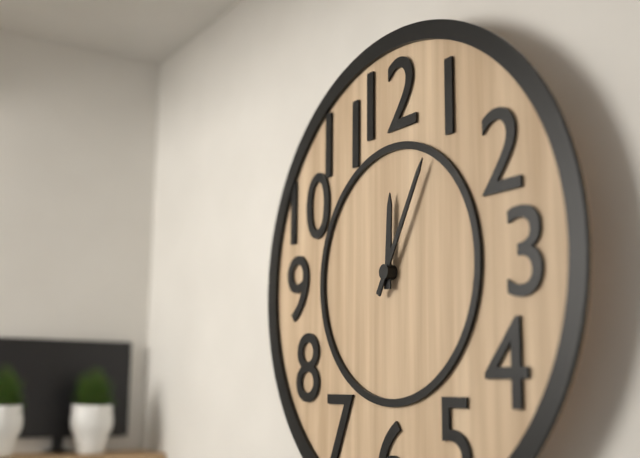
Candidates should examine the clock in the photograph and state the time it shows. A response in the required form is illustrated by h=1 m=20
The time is h=12 m=5
